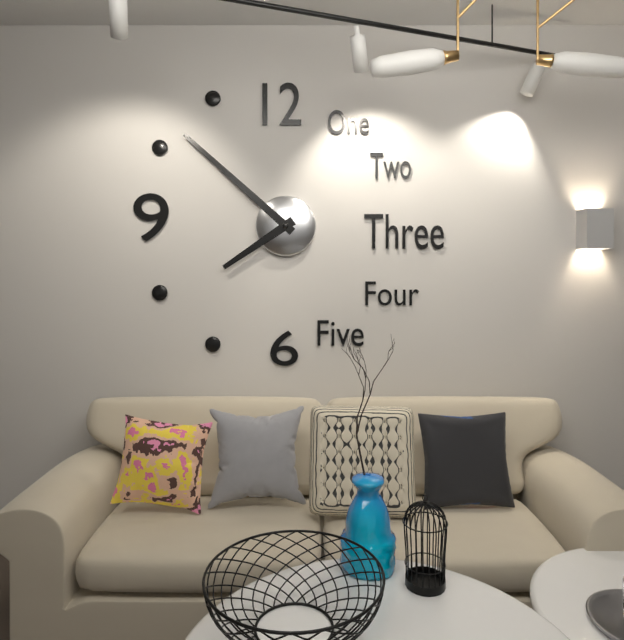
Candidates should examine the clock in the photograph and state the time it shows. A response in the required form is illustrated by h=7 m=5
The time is h=7 m=52
